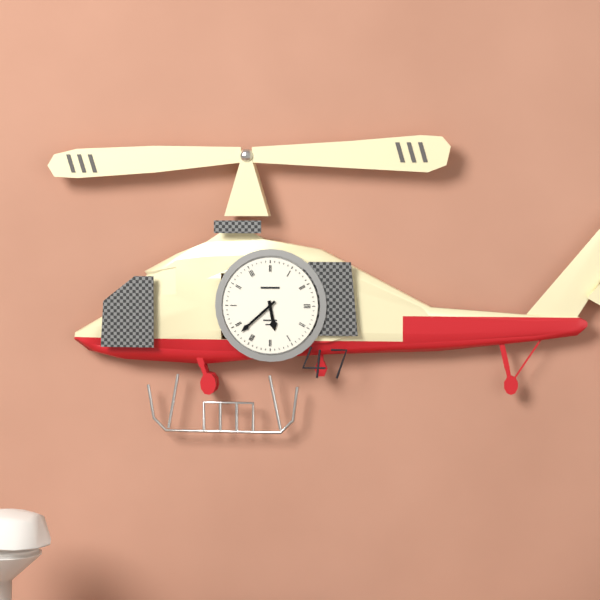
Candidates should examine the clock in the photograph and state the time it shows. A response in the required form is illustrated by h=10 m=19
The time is h=5 m=38
